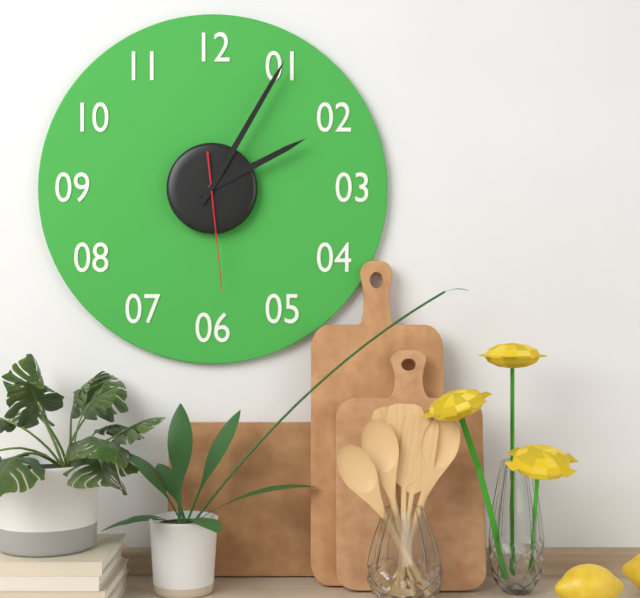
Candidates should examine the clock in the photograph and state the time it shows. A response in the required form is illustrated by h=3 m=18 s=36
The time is h=2 m=5 s=29
